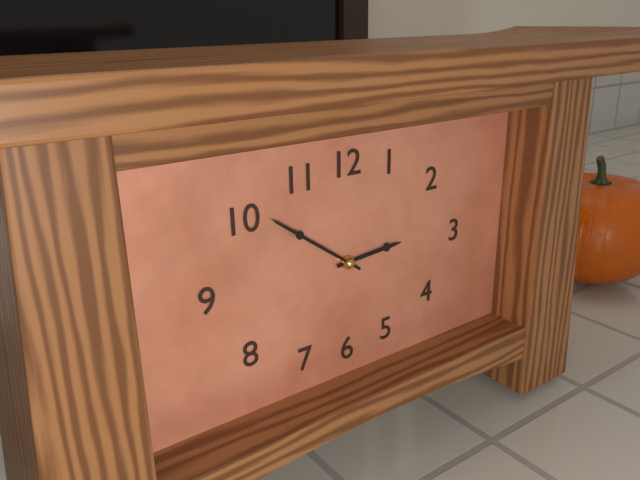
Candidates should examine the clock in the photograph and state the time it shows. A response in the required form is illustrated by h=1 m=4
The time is h=2 m=51
